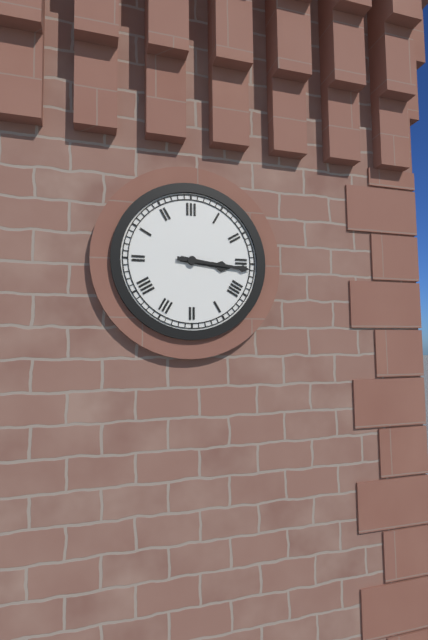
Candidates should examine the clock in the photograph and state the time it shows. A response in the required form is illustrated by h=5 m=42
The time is h=3 m=16
